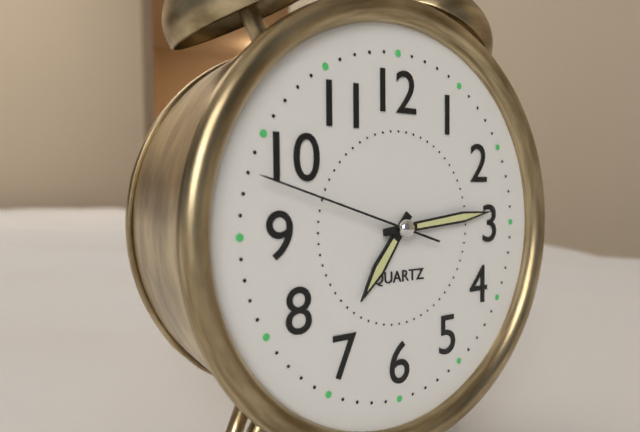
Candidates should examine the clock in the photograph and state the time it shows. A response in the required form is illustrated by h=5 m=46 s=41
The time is h=7 m=14 s=48
